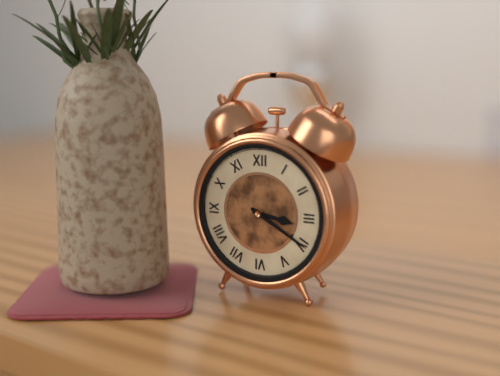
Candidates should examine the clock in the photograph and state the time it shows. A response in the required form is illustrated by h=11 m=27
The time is h=3 m=20
